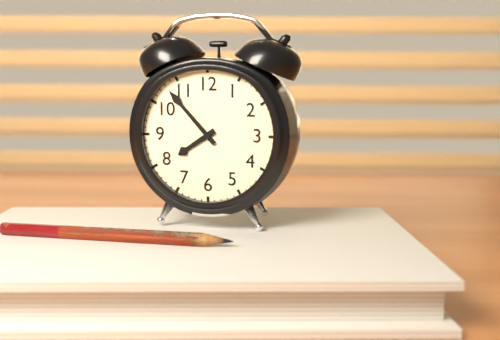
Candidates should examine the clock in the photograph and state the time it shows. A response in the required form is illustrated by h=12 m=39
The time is h=7 m=53
